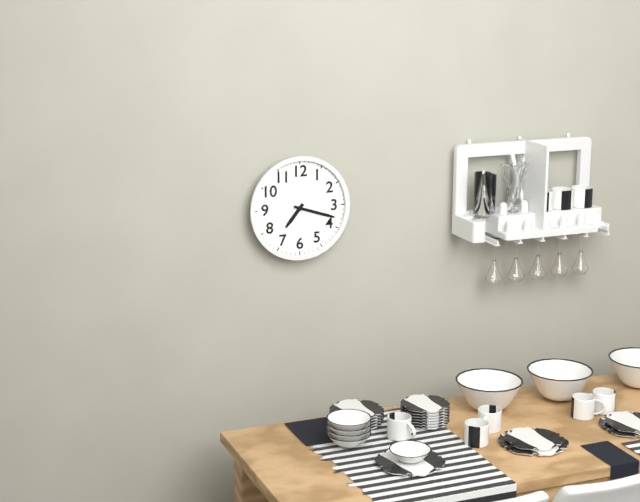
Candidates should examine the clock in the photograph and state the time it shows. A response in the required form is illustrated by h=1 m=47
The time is h=7 m=18
